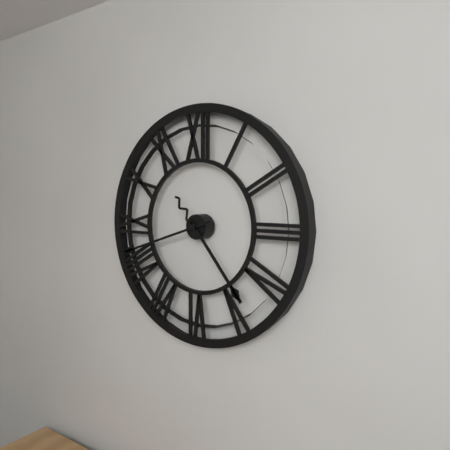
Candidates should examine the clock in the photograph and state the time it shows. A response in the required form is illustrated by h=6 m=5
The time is h=4 m=42
